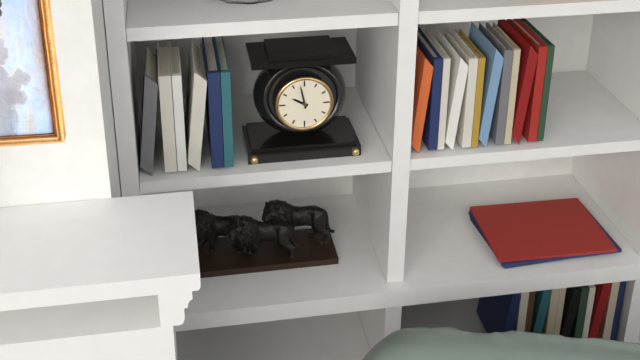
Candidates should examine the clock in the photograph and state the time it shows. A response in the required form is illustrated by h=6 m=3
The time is h=9 m=58
